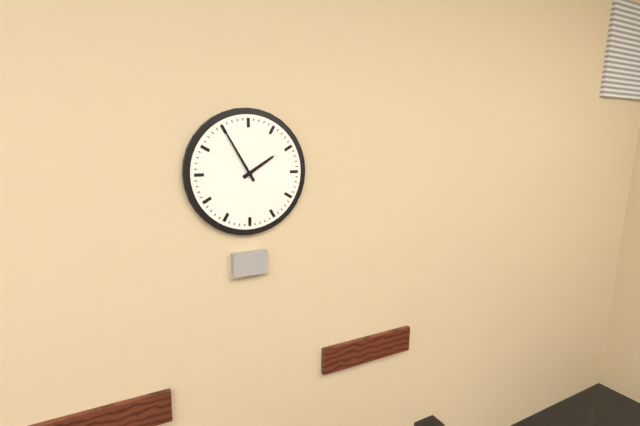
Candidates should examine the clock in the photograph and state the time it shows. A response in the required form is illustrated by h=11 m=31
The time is h=1 m=55
